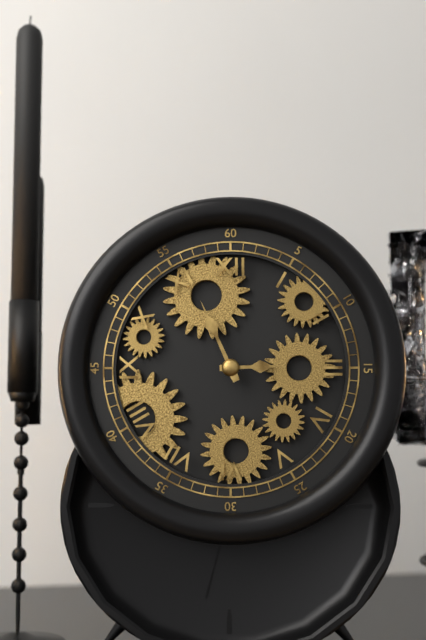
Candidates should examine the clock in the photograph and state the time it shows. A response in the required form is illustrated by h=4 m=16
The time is h=2 m=56
